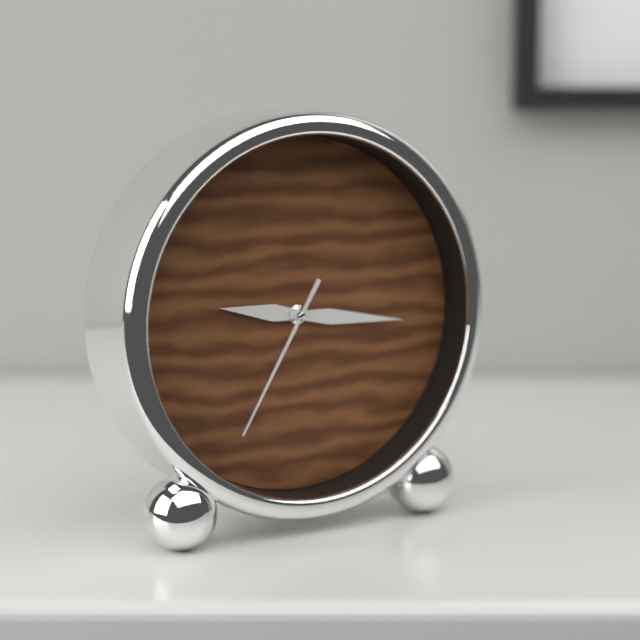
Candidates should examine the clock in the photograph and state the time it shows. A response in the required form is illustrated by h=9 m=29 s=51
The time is h=9 m=16 s=35
